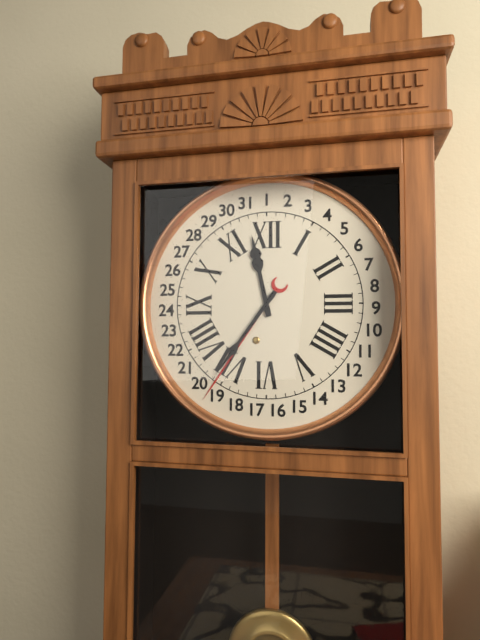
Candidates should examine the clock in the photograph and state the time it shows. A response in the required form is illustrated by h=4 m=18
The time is h=11 m=36
